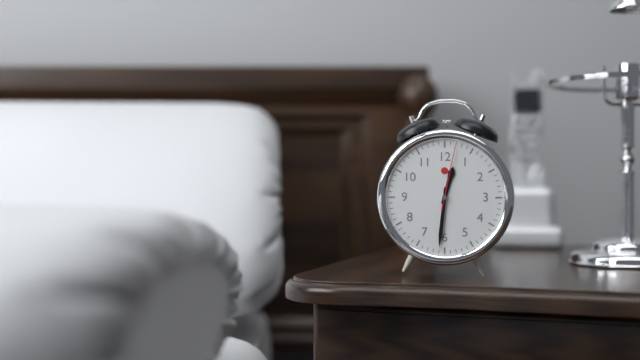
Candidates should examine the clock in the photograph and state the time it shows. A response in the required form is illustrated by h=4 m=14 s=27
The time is h=12 m=31 s=2
